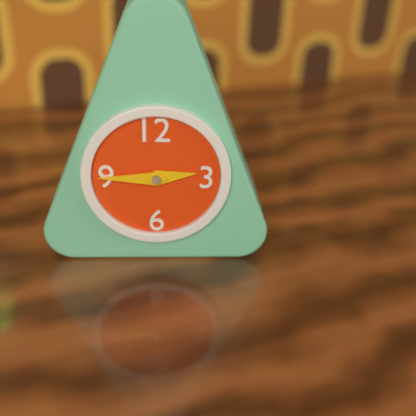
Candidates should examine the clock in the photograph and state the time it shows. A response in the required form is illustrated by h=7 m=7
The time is h=2 m=45
